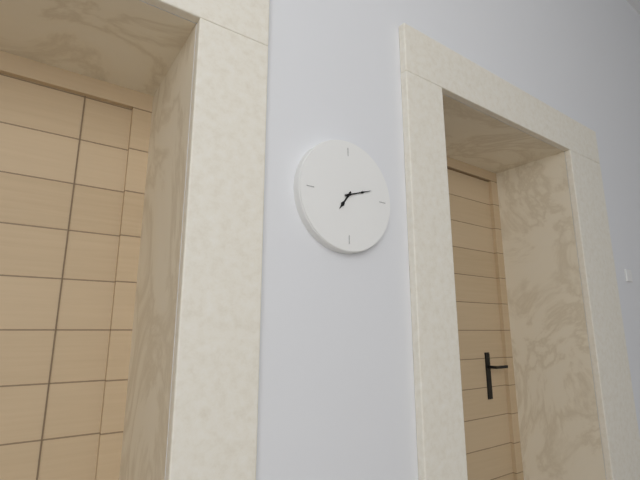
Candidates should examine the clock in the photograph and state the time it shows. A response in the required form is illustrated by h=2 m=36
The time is h=7 m=12
